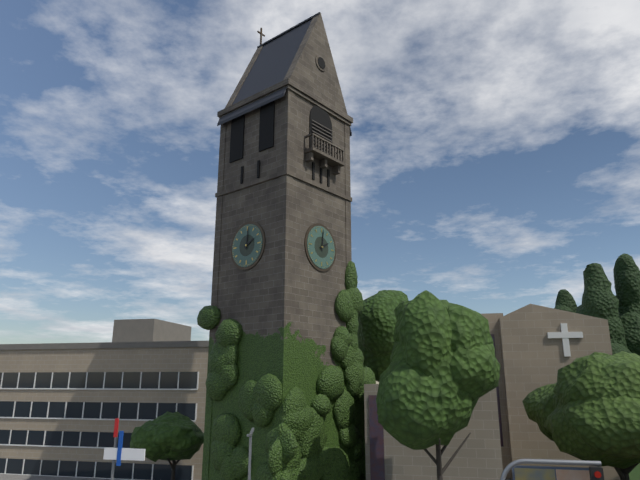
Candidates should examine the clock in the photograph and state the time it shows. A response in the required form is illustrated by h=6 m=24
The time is h=2 m=1
